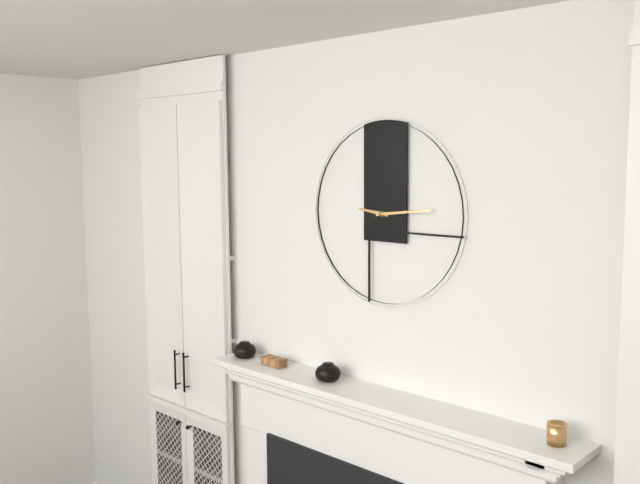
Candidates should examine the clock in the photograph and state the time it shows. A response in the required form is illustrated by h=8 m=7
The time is h=9 m=14
